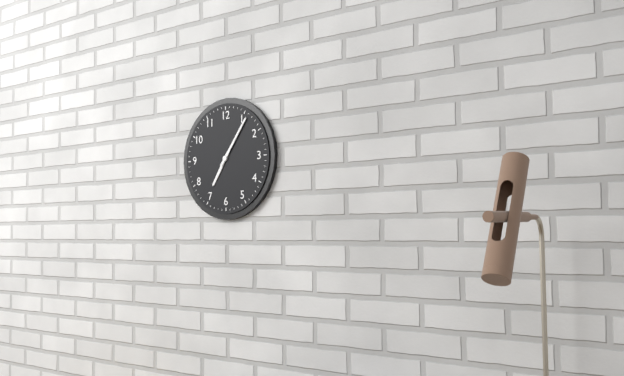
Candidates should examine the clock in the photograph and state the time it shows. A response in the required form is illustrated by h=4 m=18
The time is h=7 m=6
